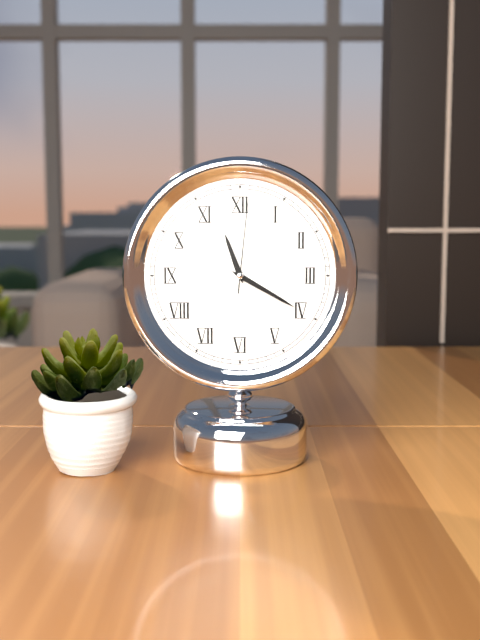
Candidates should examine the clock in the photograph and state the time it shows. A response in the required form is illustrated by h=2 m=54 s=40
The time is h=11 m=20 s=1
